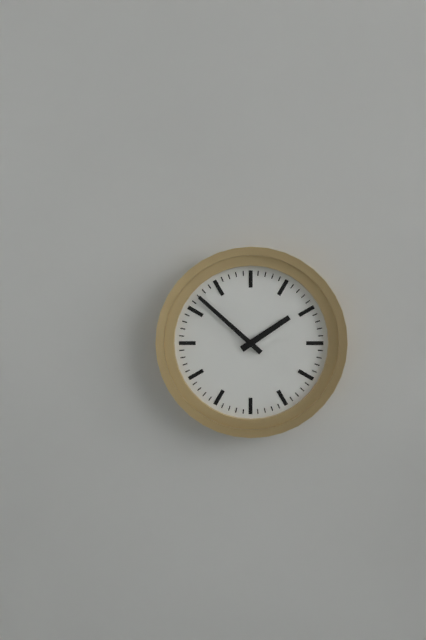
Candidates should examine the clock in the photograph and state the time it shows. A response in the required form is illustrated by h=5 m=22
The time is h=1 m=52
